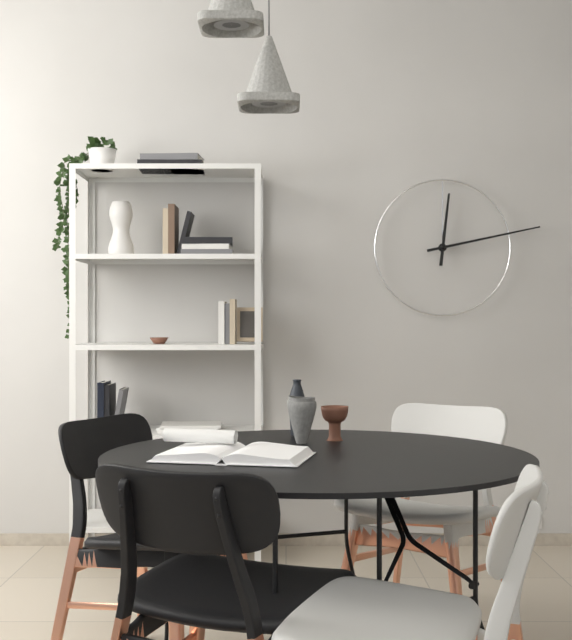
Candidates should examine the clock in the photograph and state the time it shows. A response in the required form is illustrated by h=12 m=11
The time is h=12 m=13
